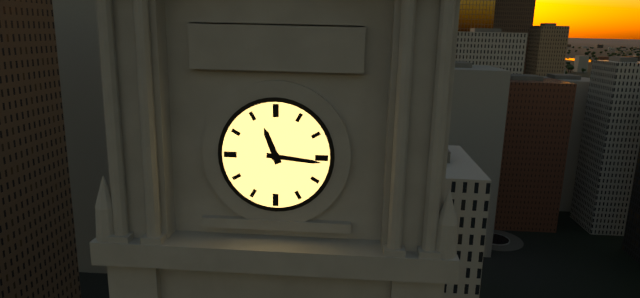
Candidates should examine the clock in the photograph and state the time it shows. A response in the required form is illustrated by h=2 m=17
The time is h=11 m=16
